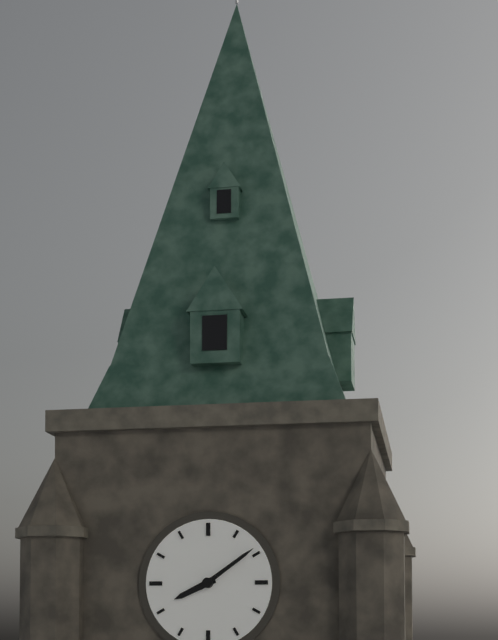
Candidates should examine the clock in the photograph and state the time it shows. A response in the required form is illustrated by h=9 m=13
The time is h=8 m=9
